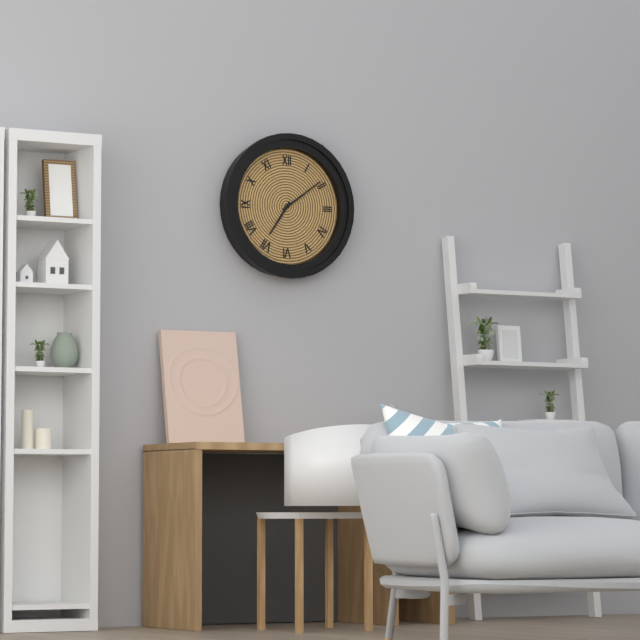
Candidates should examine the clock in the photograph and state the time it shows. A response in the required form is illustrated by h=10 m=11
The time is h=7 m=9
